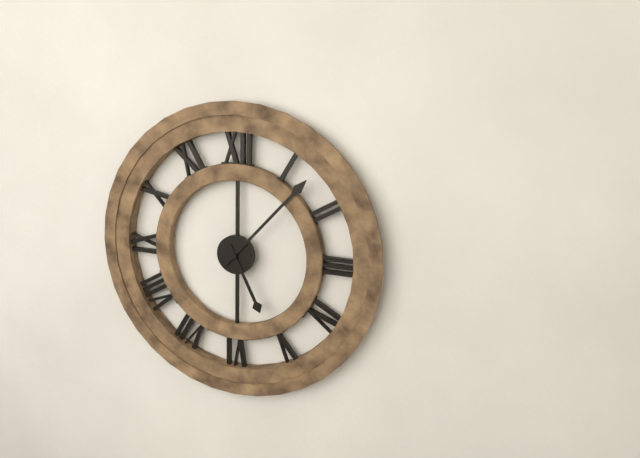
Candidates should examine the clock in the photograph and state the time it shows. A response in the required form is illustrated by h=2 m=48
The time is h=5 m=7
